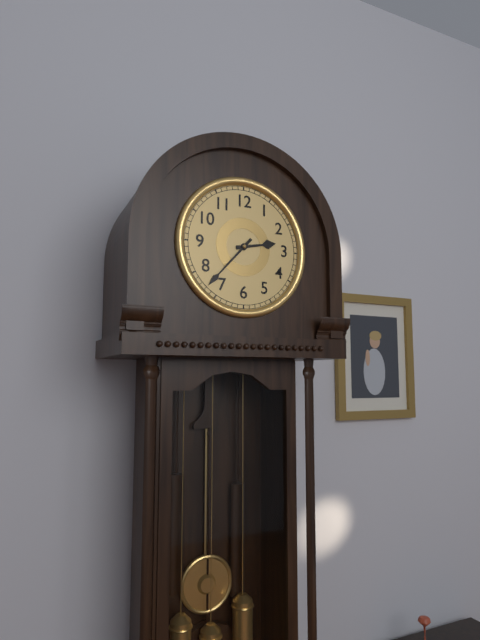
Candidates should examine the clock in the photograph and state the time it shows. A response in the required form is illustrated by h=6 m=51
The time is h=2 m=37
